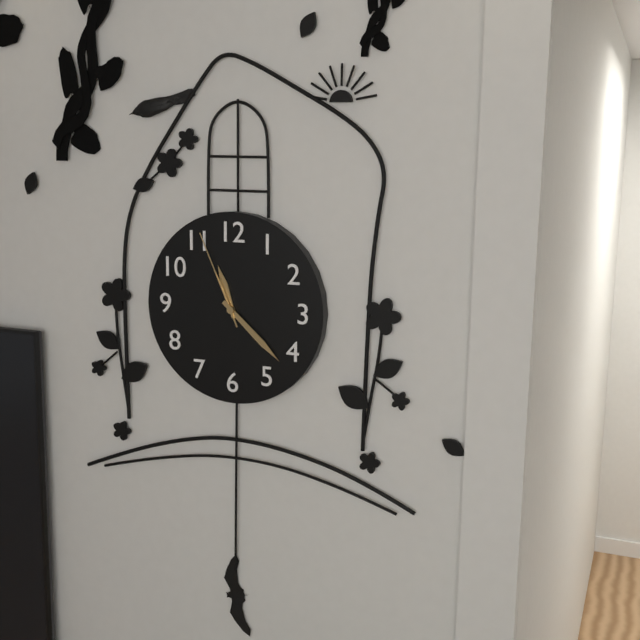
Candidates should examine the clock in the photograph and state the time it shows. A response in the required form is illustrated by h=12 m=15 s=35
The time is h=11 m=22 s=56
